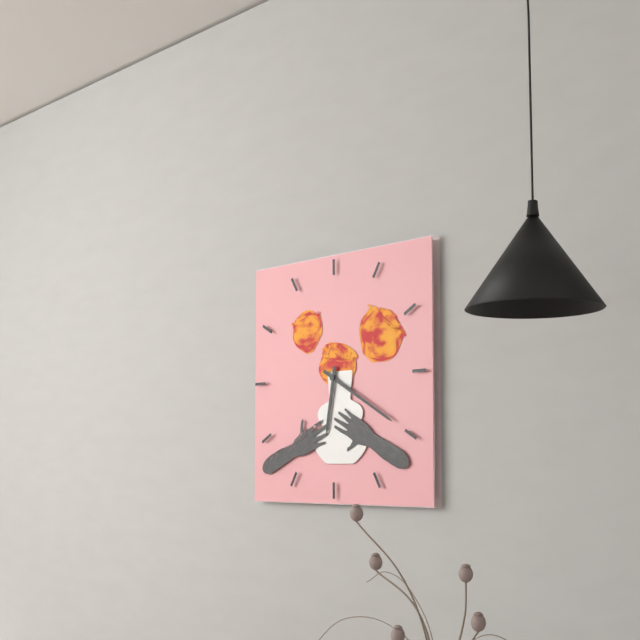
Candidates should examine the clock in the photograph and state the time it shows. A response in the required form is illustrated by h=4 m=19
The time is h=6 m=20
